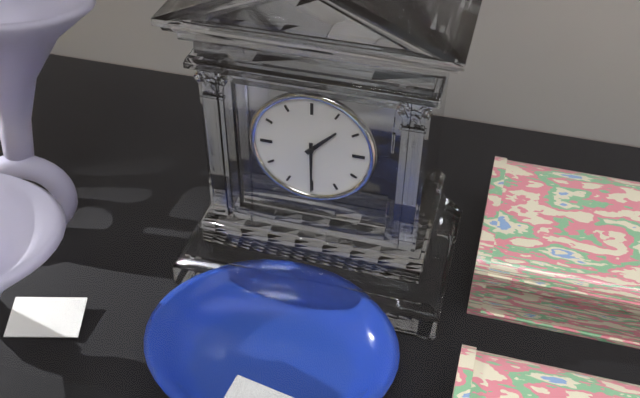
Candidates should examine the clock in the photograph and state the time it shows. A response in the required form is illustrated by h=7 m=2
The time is h=1 m=30
